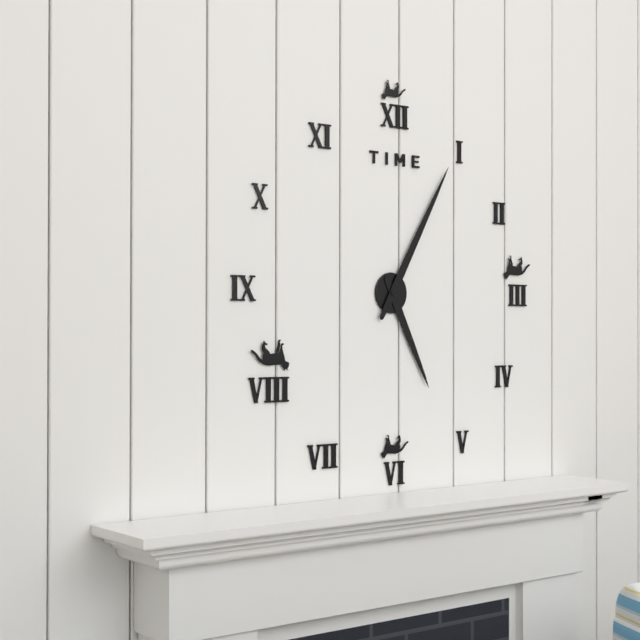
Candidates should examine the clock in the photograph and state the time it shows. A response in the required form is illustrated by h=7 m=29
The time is h=5 m=5
